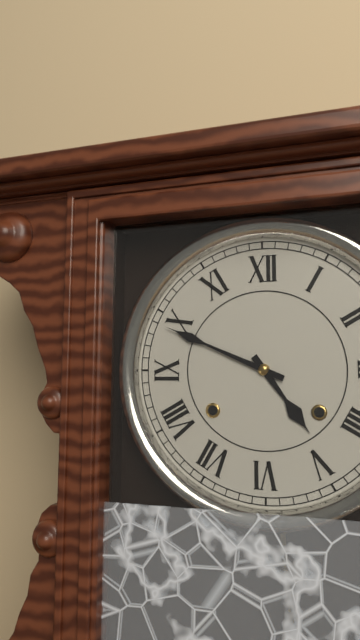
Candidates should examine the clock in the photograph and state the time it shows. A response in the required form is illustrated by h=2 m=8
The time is h=4 m=49
